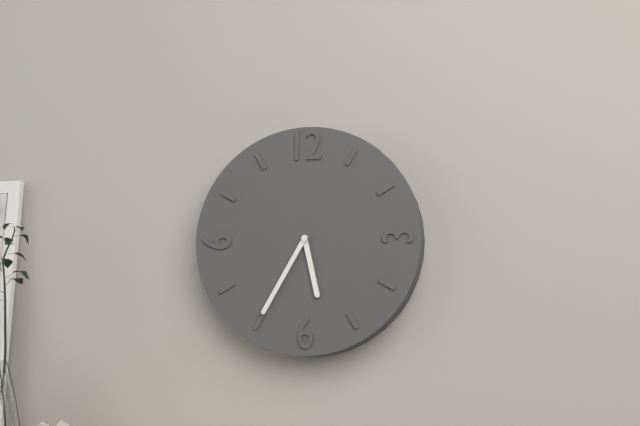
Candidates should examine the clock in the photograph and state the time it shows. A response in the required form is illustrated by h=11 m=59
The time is h=5 m=35
